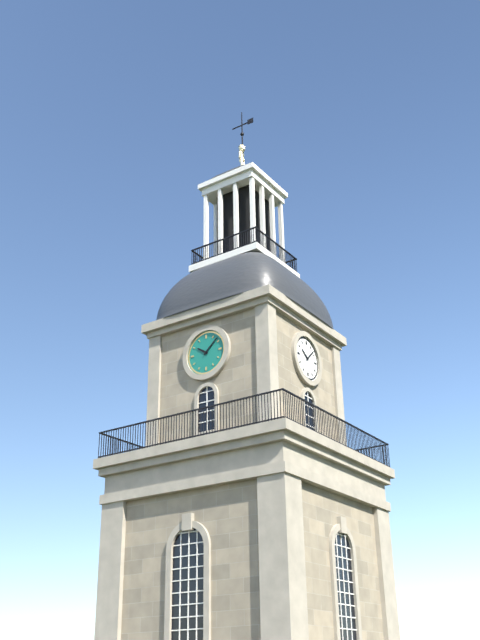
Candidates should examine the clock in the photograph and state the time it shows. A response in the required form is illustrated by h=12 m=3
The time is h=10 m=8
